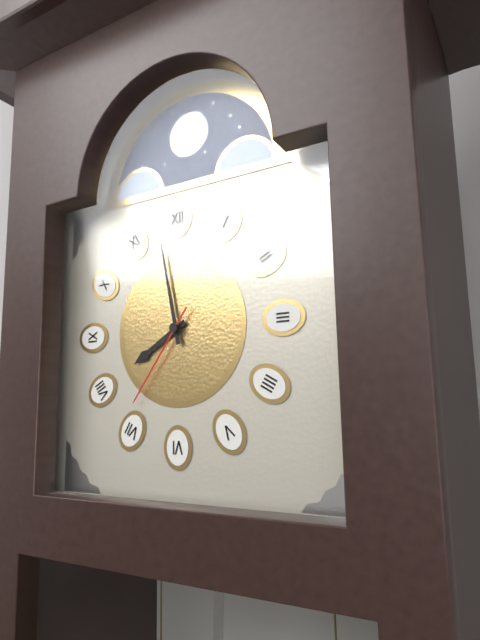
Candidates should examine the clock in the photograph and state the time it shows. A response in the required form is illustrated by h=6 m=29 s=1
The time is h=7 m=58 s=36
